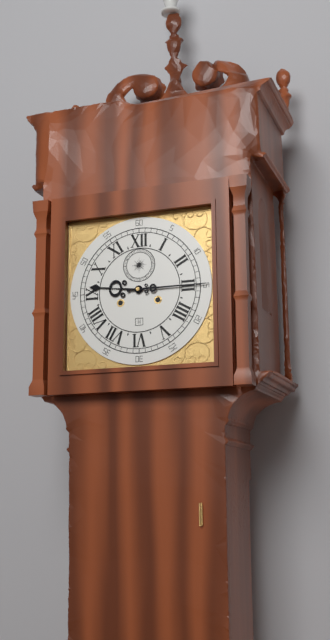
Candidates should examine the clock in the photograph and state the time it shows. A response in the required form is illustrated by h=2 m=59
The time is h=9 m=15
